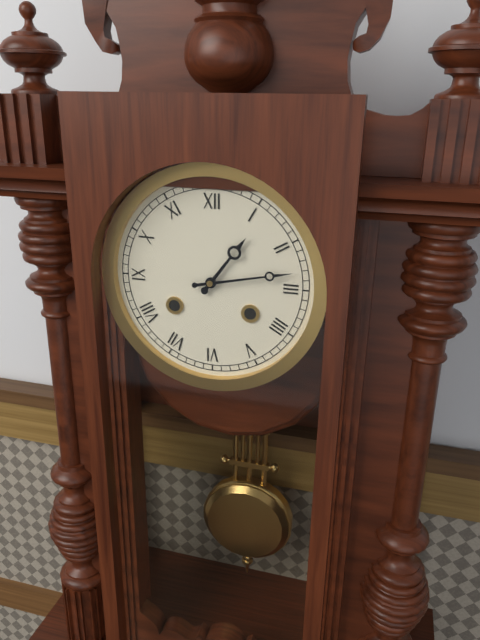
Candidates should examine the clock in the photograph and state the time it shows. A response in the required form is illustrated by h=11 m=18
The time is h=1 m=13
